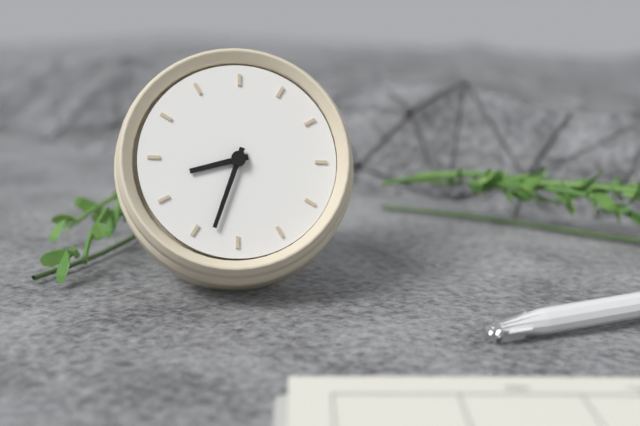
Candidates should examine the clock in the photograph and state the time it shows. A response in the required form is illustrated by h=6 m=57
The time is h=7 m=28
